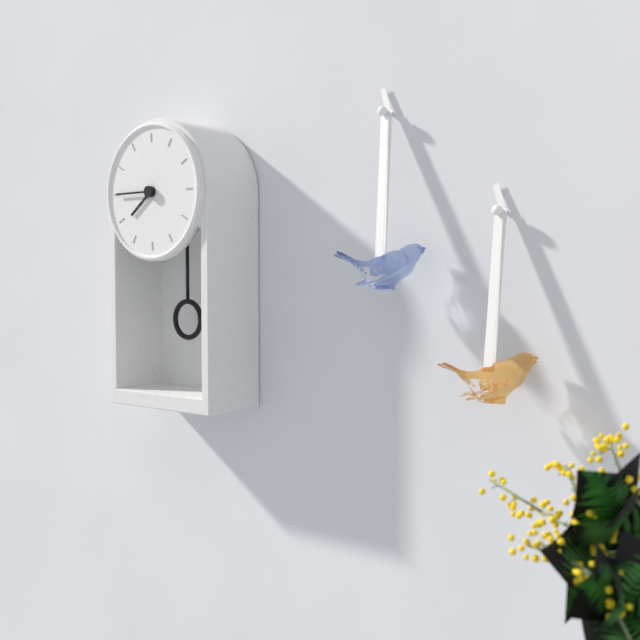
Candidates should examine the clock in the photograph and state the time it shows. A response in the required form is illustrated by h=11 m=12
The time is h=7 m=45
